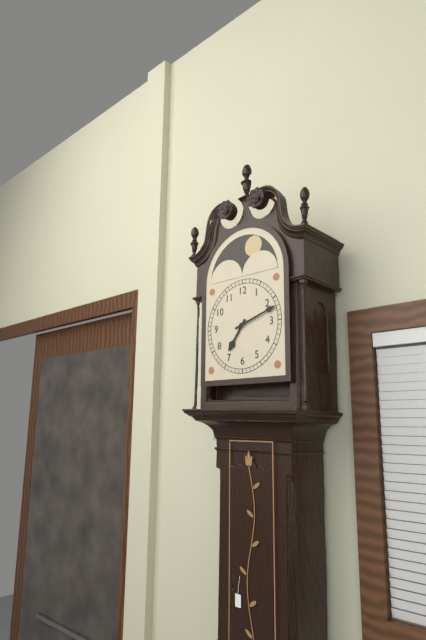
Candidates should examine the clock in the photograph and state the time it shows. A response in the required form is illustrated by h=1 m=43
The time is h=7 m=12
